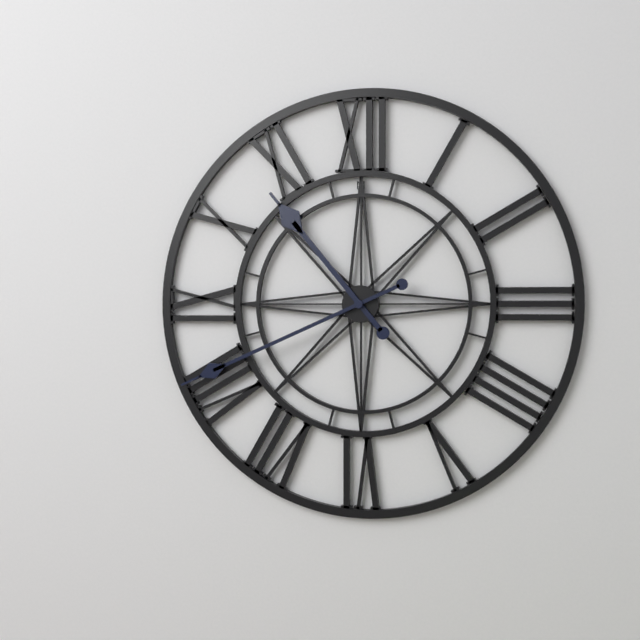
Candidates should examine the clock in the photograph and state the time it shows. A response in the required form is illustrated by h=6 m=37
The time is h=10 m=41
